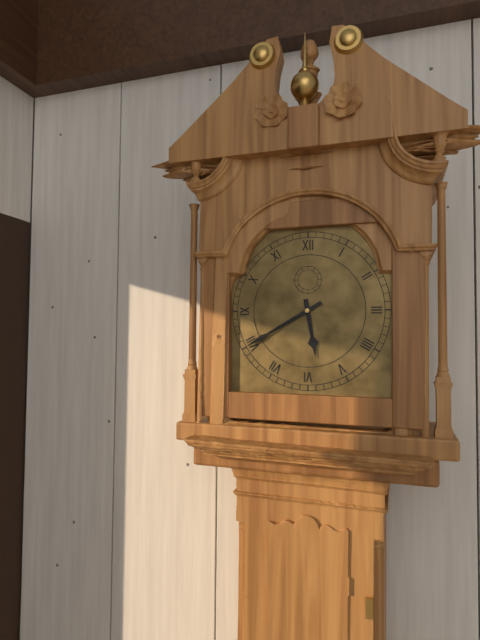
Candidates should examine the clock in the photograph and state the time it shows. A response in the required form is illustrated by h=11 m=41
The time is h=5 m=40
